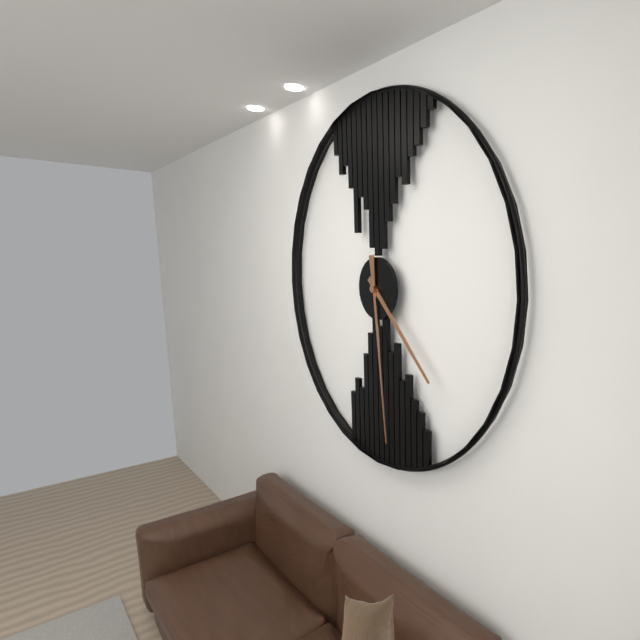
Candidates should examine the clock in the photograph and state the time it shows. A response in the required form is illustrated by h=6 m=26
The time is h=4 m=29
